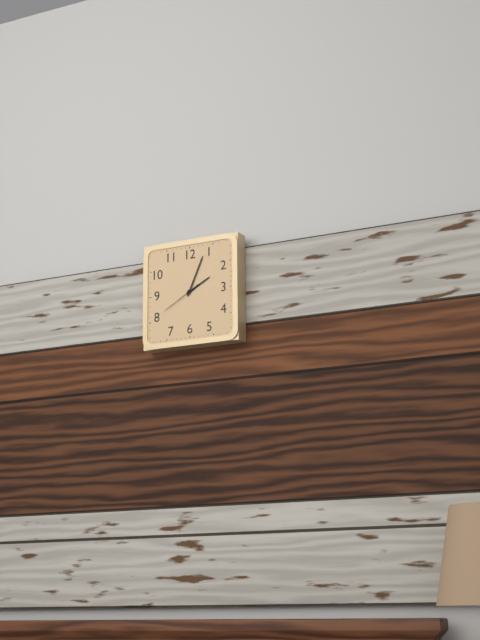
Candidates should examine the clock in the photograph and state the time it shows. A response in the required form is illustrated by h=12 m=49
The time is h=2 m=4
